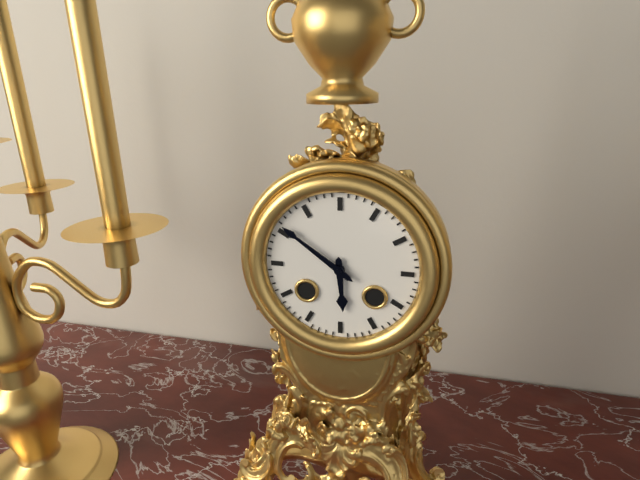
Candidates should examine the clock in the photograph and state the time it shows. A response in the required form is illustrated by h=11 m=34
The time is h=5 m=51
